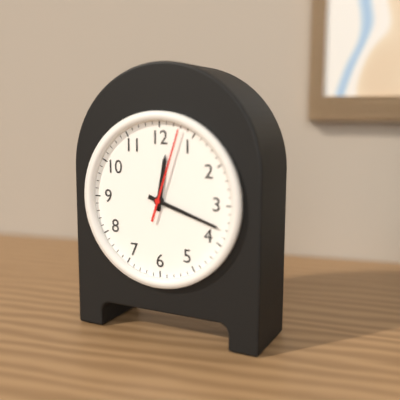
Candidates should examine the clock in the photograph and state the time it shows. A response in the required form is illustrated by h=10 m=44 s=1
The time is h=12 m=18 s=3
